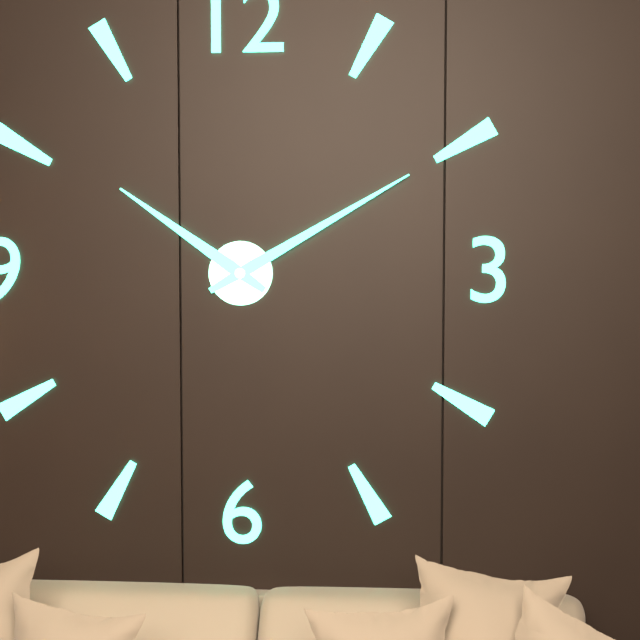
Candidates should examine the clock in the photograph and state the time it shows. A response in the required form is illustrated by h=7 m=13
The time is h=10 m=10
